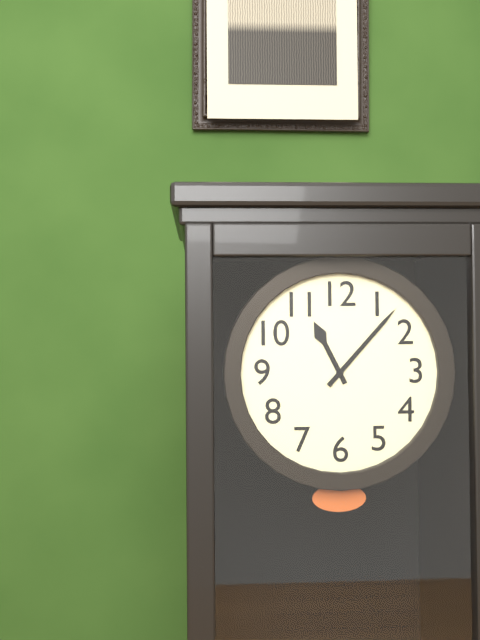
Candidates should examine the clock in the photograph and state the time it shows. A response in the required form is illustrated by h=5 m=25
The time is h=11 m=7
